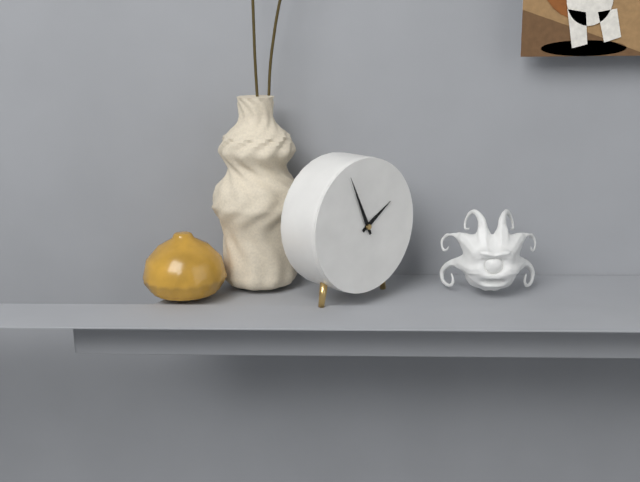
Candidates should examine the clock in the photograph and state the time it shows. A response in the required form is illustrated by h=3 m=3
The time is h=1 m=56
